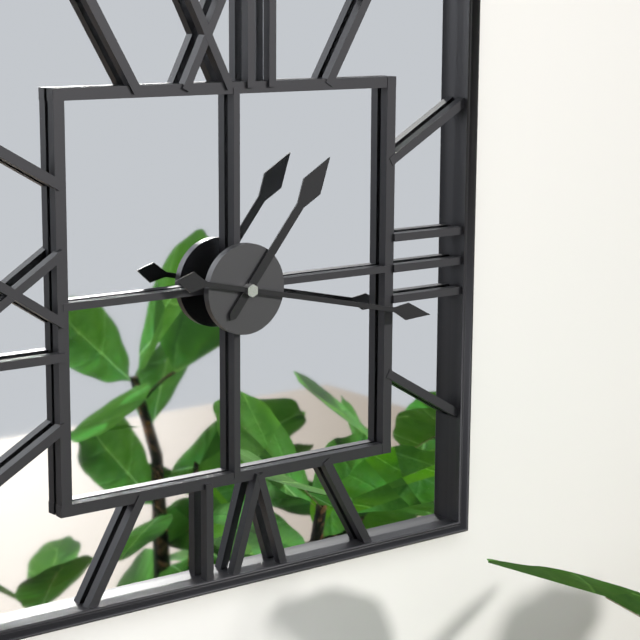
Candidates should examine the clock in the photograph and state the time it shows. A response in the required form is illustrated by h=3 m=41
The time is h=1 m=17
